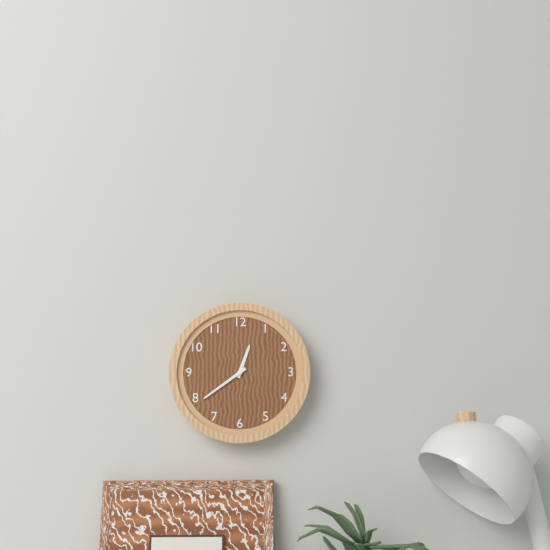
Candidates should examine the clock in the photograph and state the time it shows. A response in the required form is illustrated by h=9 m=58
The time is h=12 m=39
